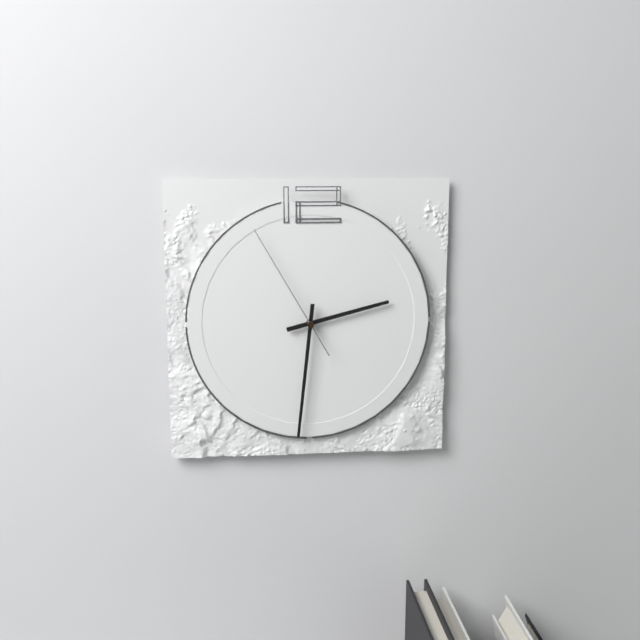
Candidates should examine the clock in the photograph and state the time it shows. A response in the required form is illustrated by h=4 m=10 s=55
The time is h=2 m=31 s=55
